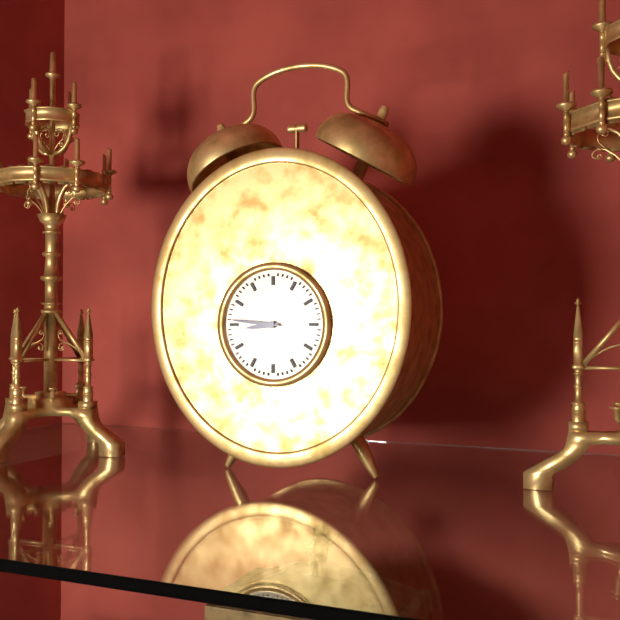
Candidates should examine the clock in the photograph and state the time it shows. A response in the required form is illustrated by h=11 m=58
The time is h=8 m=46
